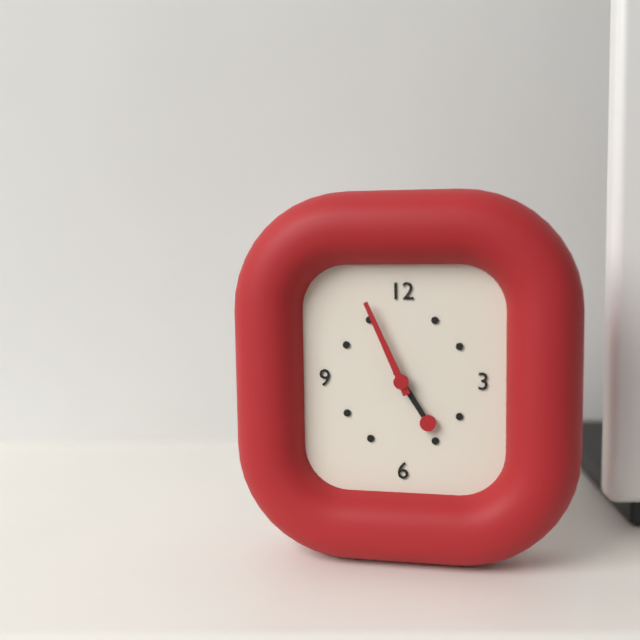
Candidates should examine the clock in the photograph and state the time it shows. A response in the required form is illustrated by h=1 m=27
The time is h=4 m=56
